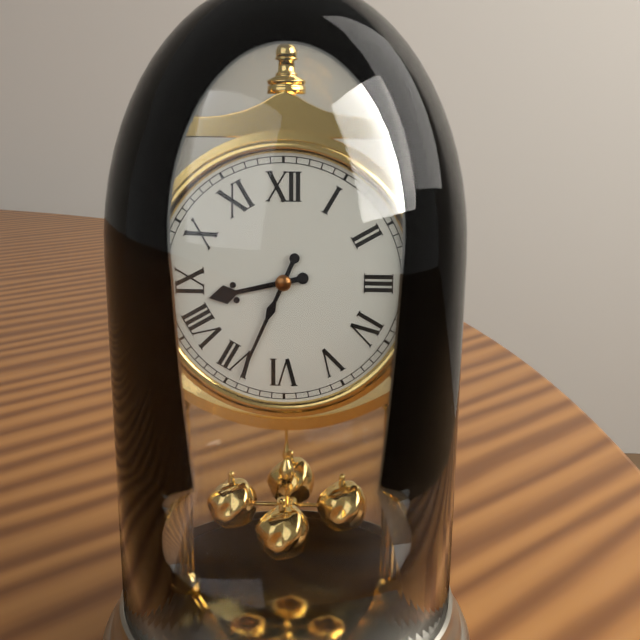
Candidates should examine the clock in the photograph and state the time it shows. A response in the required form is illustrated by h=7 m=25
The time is h=8 m=34
